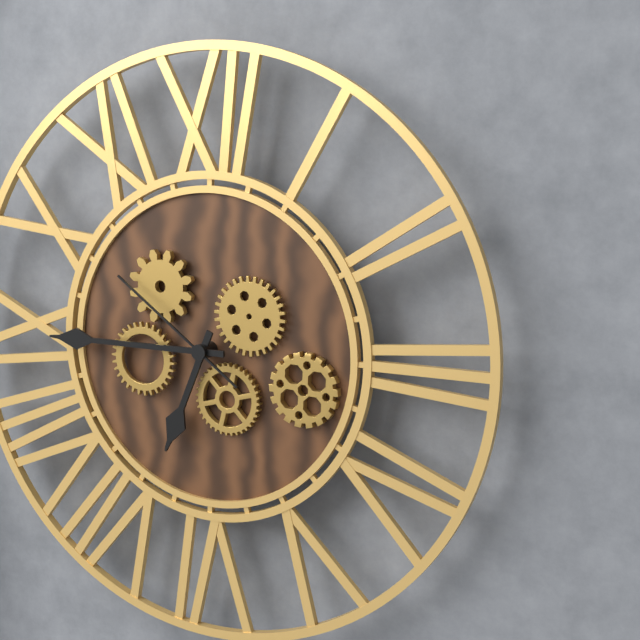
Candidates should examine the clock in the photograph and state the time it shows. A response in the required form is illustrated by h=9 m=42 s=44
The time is h=6 m=45 s=51
